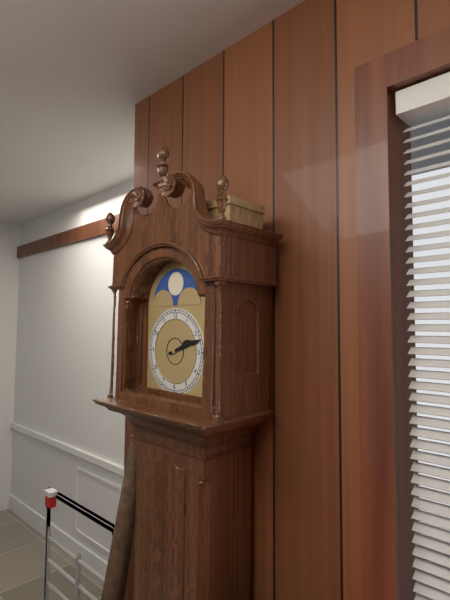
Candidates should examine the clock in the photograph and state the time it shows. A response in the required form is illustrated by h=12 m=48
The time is h=2 m=12
